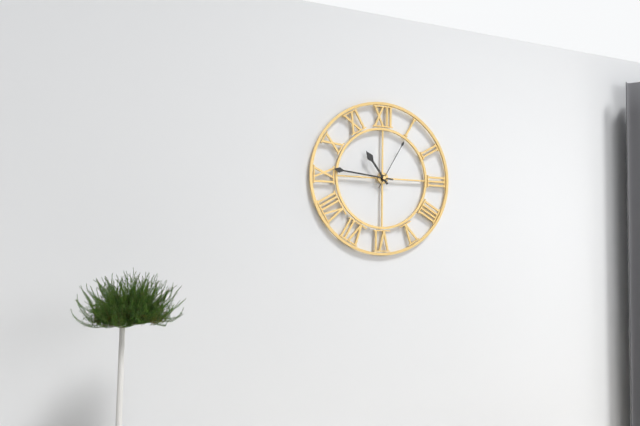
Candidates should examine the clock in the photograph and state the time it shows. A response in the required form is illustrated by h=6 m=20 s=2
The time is h=10 m=46 s=5
